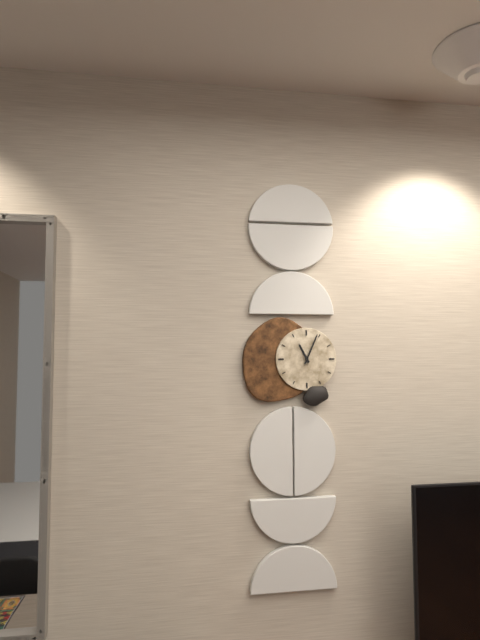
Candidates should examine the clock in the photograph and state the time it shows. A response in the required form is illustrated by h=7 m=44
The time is h=11 m=4
